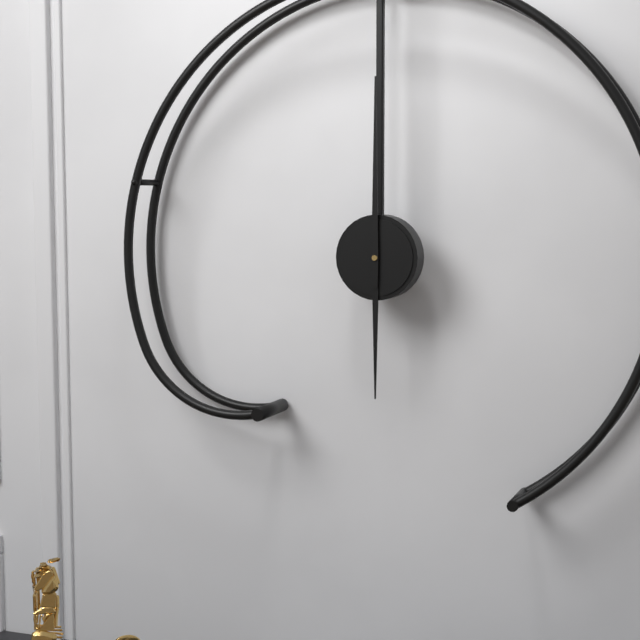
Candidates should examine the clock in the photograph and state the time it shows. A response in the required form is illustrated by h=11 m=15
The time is h=6 m=0
